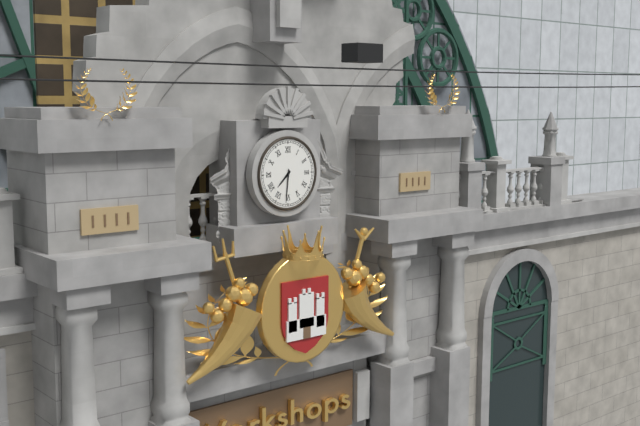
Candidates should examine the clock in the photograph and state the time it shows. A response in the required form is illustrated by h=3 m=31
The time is h=7 m=31
